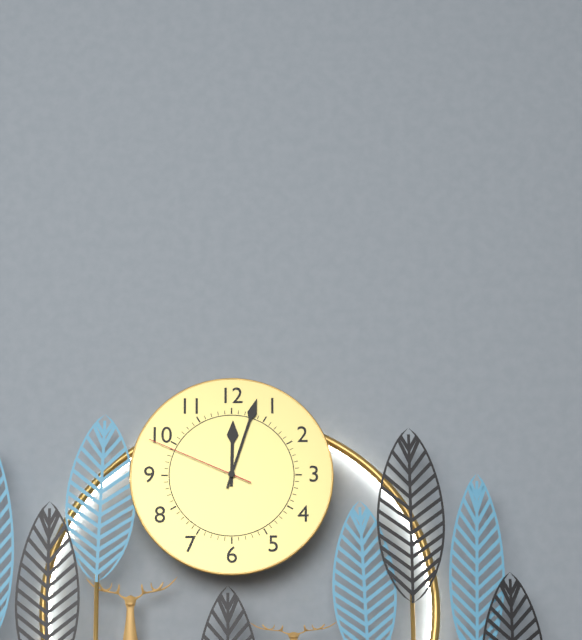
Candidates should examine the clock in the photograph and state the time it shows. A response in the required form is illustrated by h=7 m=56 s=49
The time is h=12 m=3 s=49
